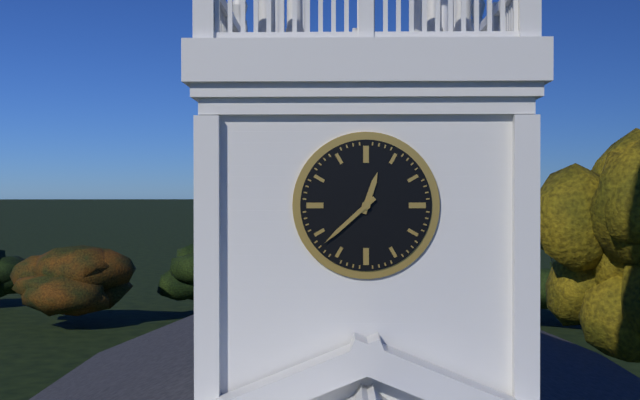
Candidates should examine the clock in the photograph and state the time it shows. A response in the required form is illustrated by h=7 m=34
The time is h=12 m=38
